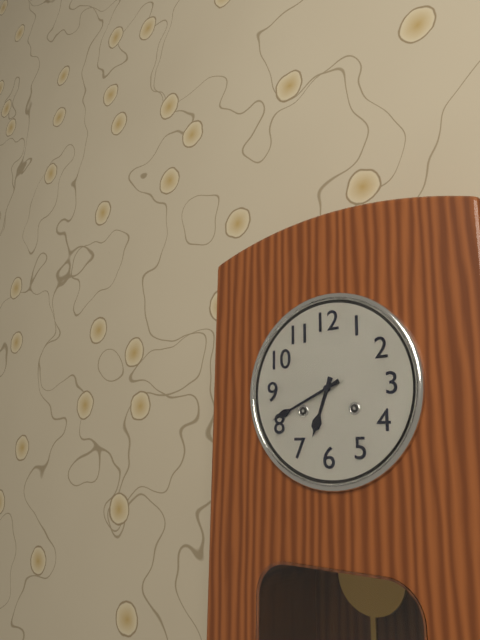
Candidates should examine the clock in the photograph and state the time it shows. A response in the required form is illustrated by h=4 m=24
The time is h=6 m=41
